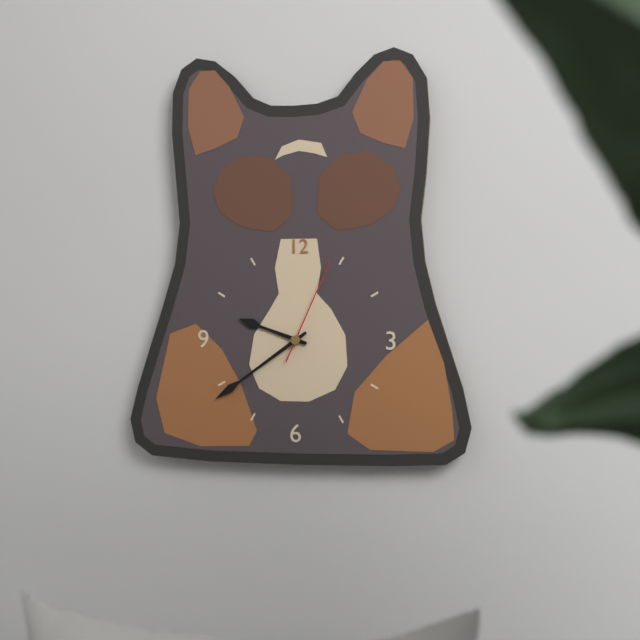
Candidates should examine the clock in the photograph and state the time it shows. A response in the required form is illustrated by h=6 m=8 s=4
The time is h=9 m=39 s=4
